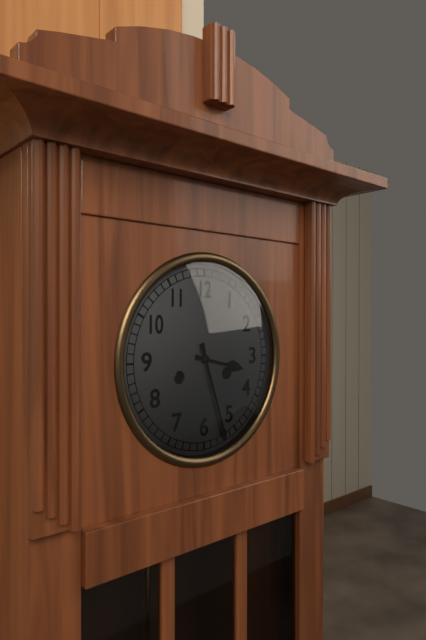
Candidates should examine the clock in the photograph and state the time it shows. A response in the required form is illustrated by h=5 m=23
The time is h=3 m=27
